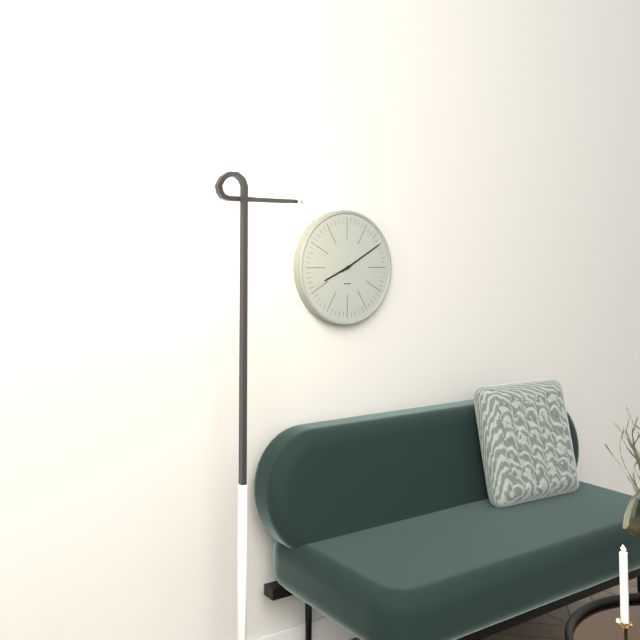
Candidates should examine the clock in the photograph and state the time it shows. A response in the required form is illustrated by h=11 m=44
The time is h=8 m=10
